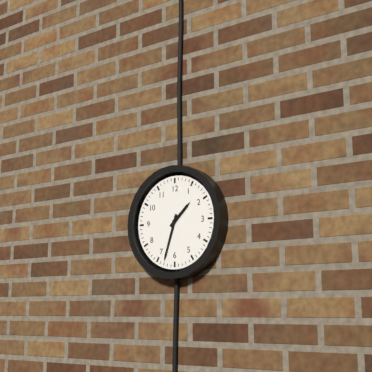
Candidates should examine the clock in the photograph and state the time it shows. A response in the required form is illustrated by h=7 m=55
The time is h=1 m=33
